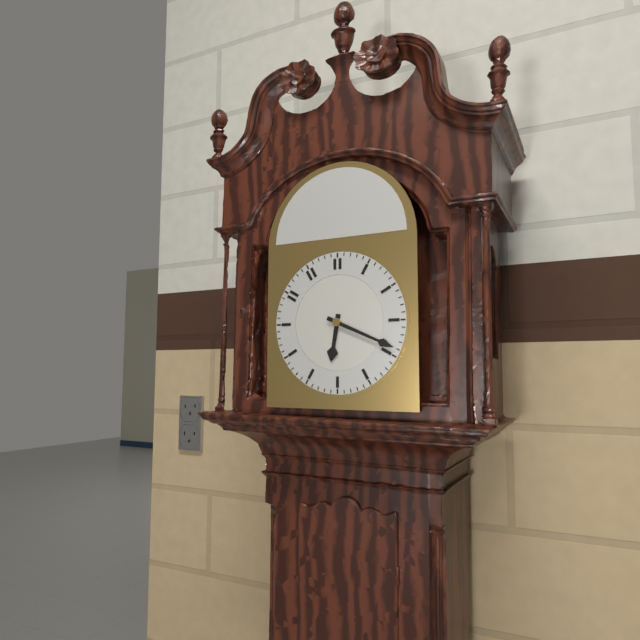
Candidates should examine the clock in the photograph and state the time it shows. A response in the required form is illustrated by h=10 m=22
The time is h=6 m=19
